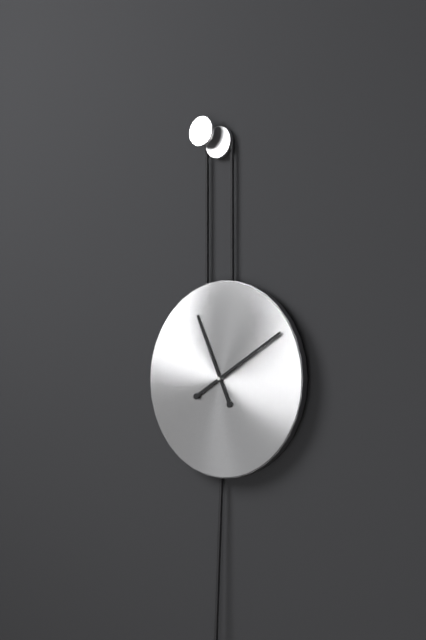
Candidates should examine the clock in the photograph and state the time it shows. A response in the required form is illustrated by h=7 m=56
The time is h=11 m=10
